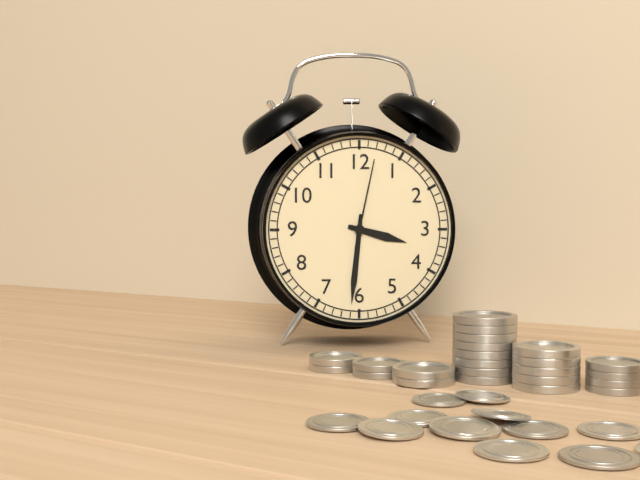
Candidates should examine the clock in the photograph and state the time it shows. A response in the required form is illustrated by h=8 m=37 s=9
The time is h=3 m=31 s=2
